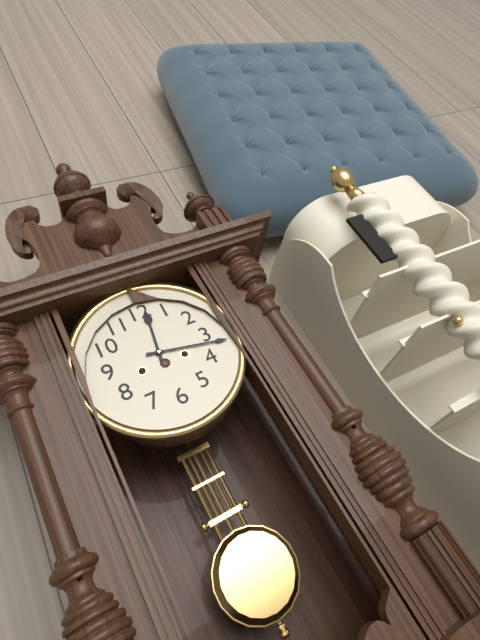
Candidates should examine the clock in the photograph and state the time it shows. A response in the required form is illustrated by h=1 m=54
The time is h=12 m=17
